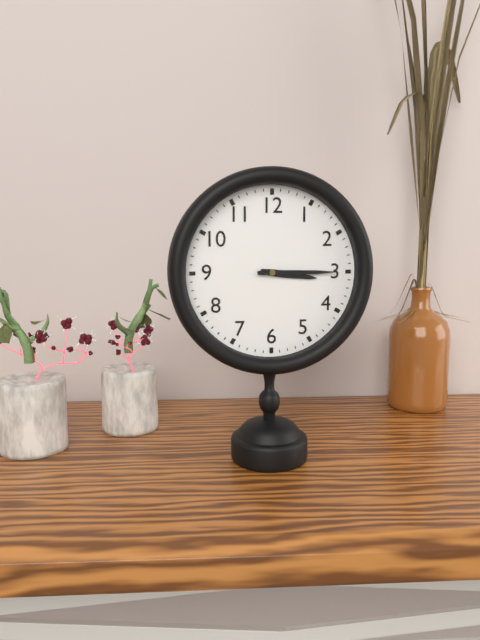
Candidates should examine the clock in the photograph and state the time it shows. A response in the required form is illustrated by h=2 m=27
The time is h=3 m=15
